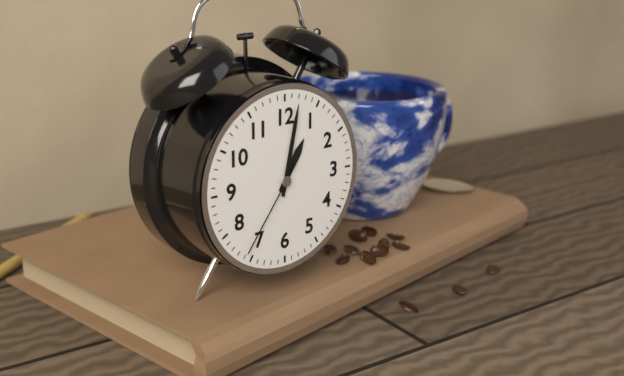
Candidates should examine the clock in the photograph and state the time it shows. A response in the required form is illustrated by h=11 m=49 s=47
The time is h=1 m=2 s=36
